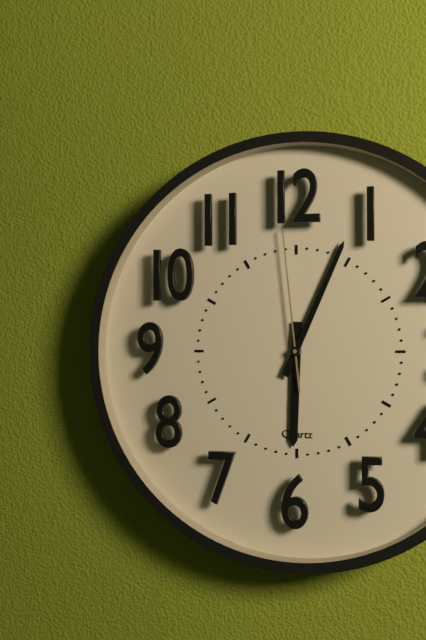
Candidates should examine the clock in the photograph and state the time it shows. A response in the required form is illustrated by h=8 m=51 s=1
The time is h=6 m=4 s=59
